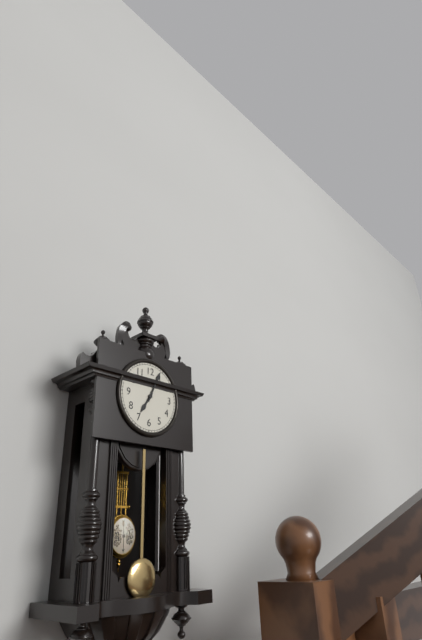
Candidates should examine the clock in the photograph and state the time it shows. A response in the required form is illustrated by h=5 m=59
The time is h=7 m=4
